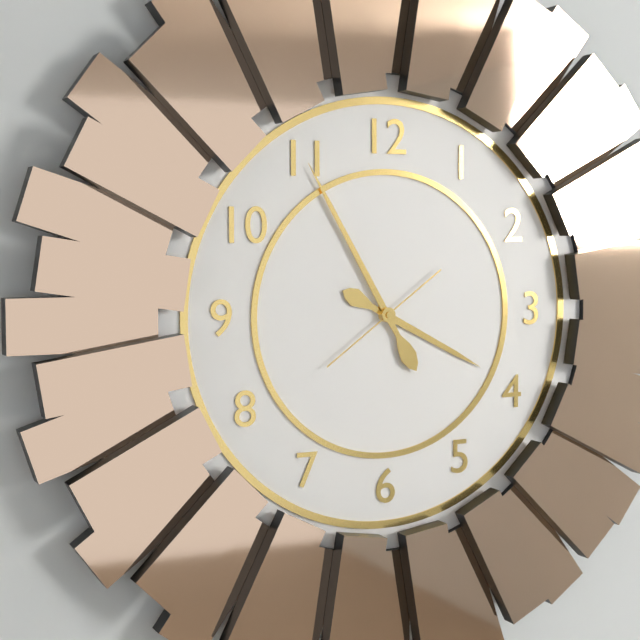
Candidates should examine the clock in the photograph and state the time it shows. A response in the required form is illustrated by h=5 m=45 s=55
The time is h=3 m=55 s=39
